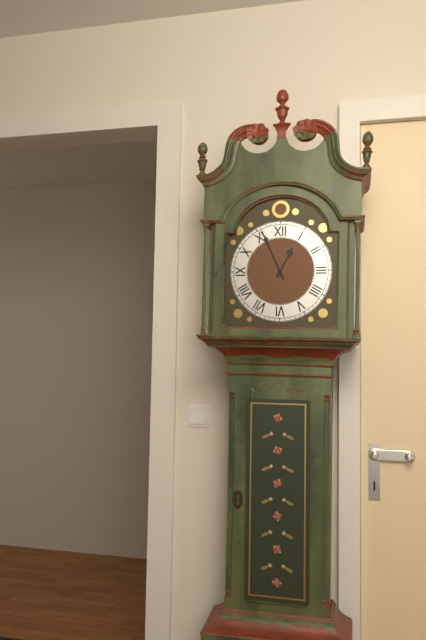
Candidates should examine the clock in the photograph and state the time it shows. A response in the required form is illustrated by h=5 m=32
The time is h=12 m=56
